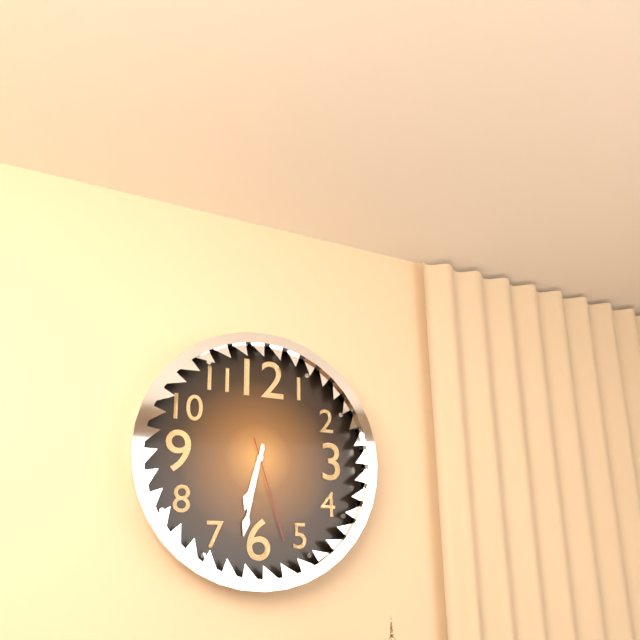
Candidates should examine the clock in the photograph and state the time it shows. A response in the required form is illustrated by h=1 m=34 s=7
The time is h=6 m=32 s=27
